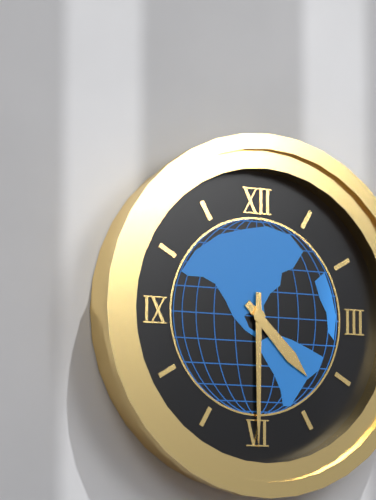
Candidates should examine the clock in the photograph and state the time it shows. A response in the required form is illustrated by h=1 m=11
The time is h=4 m=30
